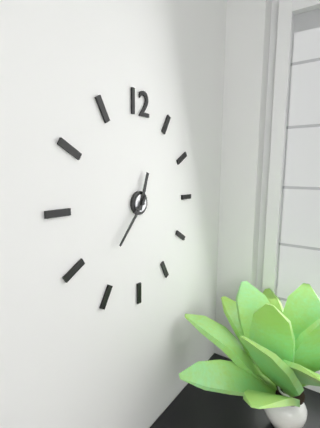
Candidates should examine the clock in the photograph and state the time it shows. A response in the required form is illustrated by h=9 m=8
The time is h=12 m=37
